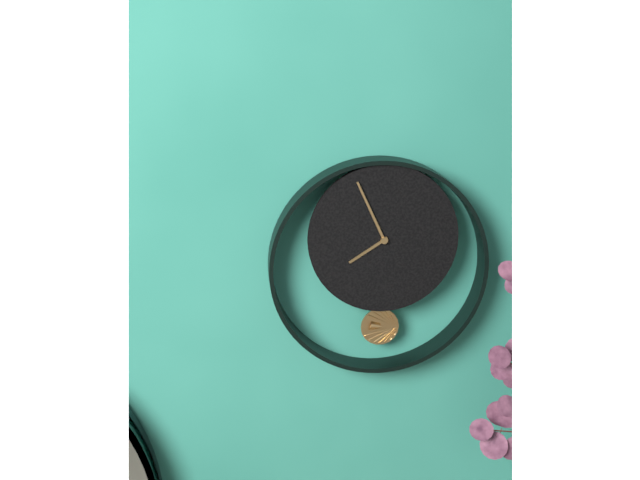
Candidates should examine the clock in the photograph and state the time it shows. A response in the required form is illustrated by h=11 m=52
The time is h=7 m=56
